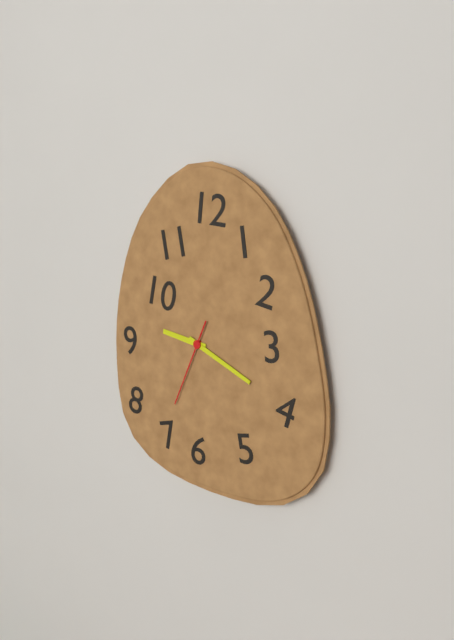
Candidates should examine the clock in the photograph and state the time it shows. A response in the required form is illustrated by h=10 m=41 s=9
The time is h=9 m=19 s=34
